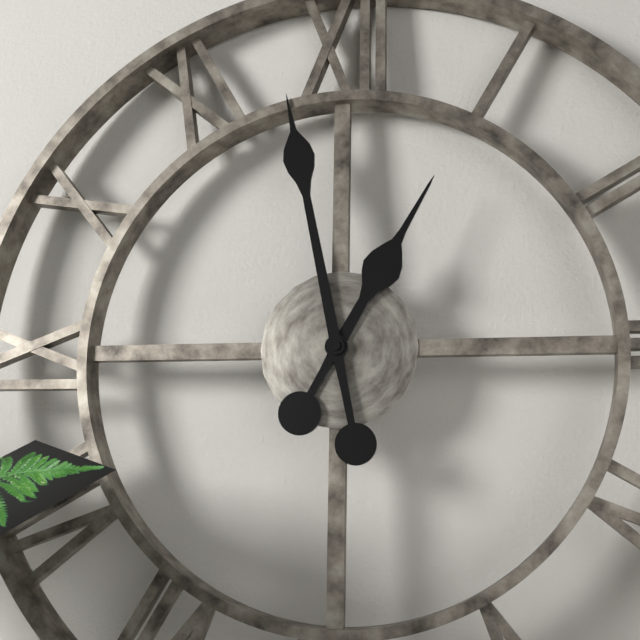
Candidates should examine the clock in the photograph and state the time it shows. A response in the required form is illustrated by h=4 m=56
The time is h=12 m=58
